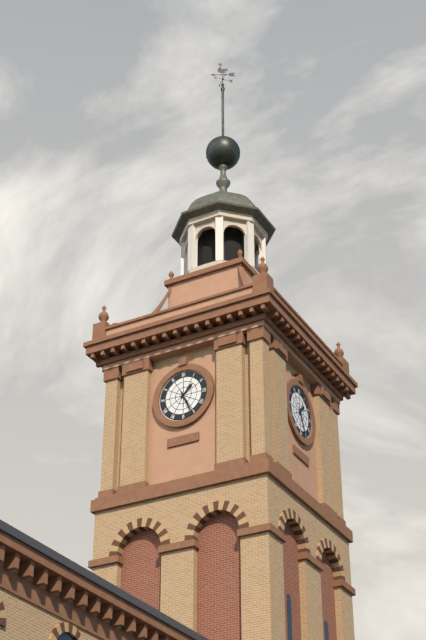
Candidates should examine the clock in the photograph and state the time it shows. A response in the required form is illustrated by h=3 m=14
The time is h=1 m=26
